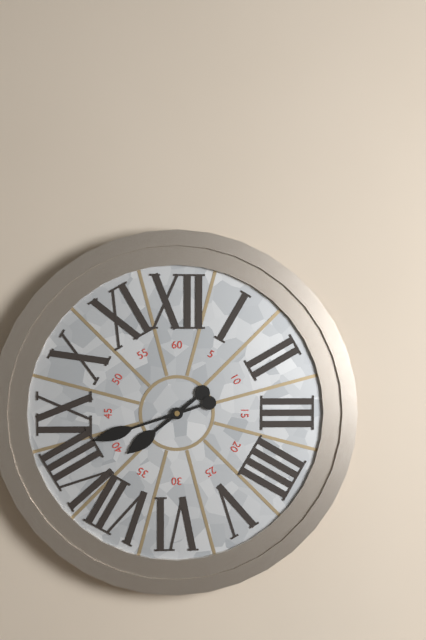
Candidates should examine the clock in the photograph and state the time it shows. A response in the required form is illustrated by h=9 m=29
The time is h=7 m=42
